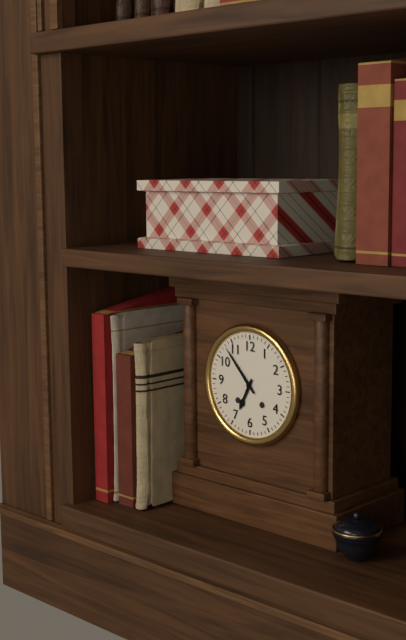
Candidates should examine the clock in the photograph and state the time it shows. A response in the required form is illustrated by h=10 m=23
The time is h=6 m=53
